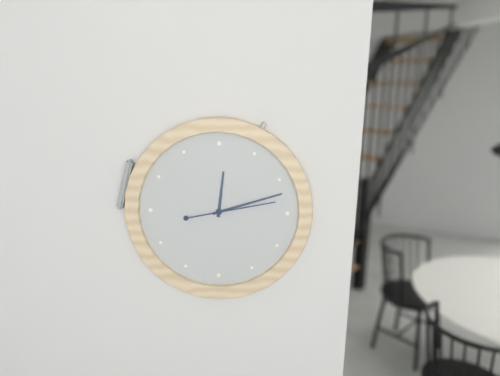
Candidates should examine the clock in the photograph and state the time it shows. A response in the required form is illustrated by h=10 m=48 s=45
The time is h=12 m=12 s=13
